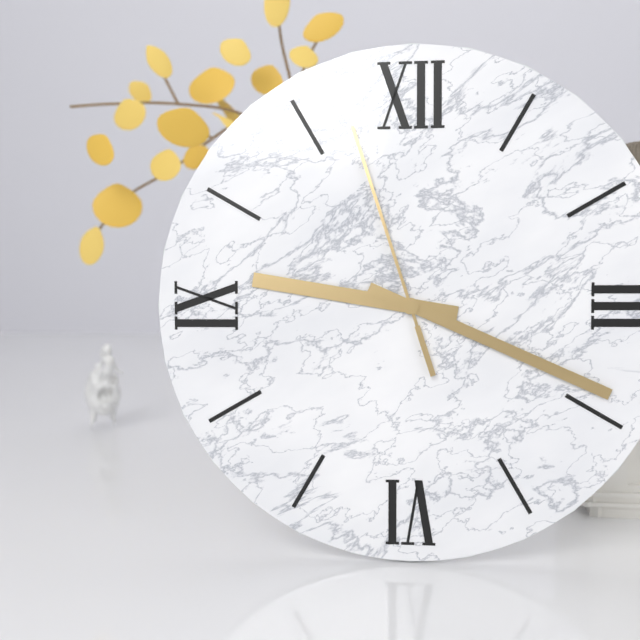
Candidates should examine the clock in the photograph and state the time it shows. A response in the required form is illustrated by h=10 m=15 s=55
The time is h=9 m=19 s=57
